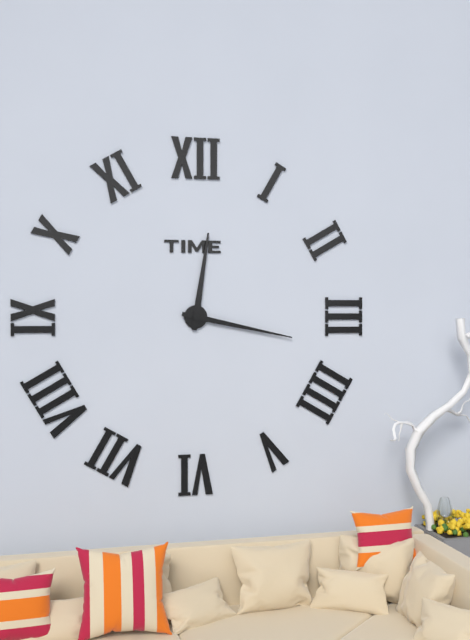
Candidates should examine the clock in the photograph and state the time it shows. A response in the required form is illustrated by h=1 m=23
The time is h=12 m=17
